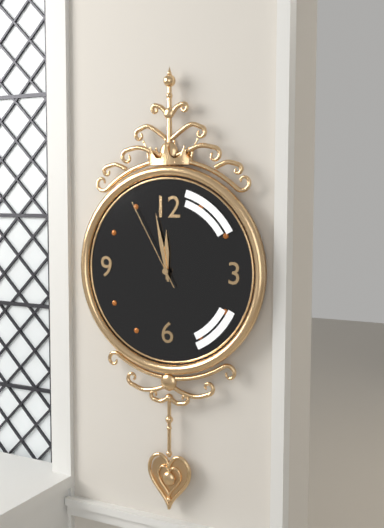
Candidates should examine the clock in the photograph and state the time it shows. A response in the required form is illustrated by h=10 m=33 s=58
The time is h=11 m=58 s=55
